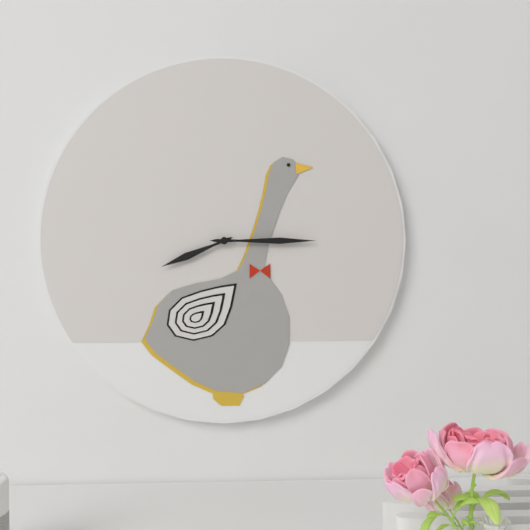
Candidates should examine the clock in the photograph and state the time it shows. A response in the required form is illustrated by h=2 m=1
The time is h=8 m=15
